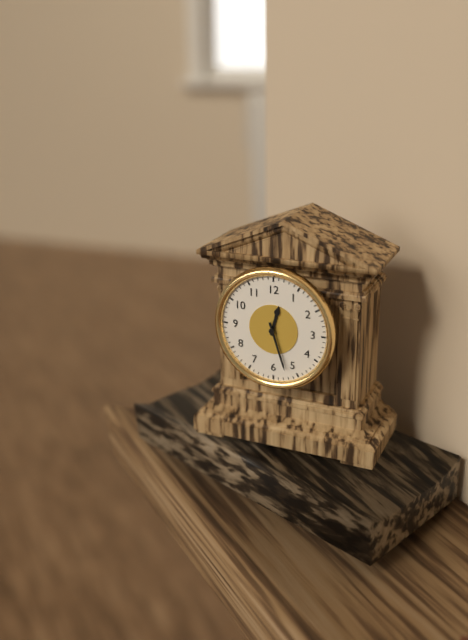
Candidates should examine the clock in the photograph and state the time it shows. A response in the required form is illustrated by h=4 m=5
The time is h=12 m=27
